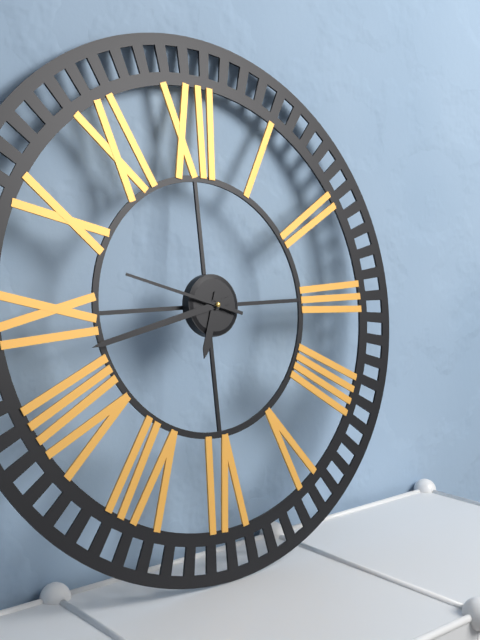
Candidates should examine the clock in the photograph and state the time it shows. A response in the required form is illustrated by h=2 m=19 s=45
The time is h=6 m=43 s=48
